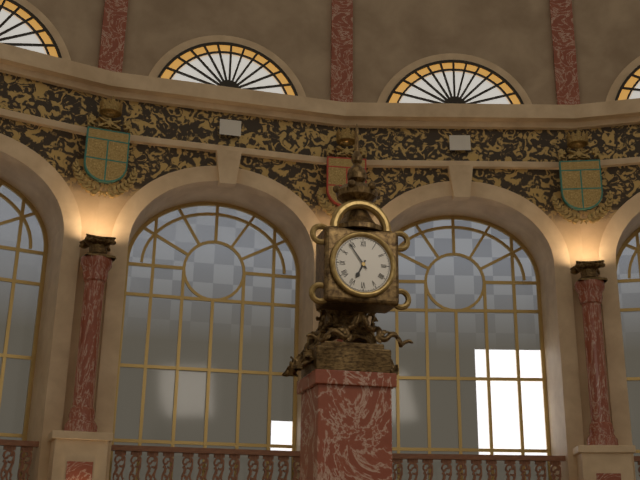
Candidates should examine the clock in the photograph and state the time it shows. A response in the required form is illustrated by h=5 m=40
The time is h=6 m=54
